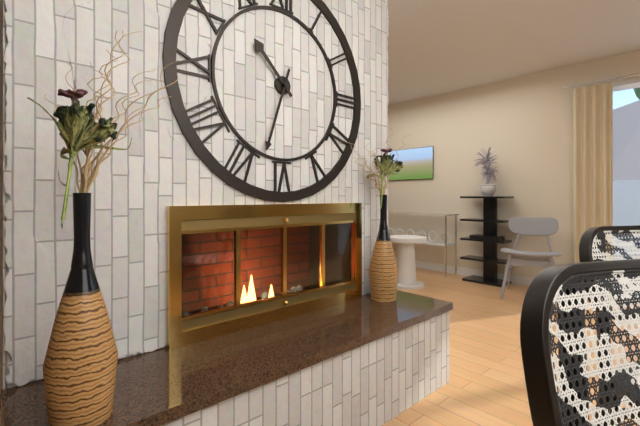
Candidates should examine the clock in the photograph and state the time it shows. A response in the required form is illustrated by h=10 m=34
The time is h=10 m=33
